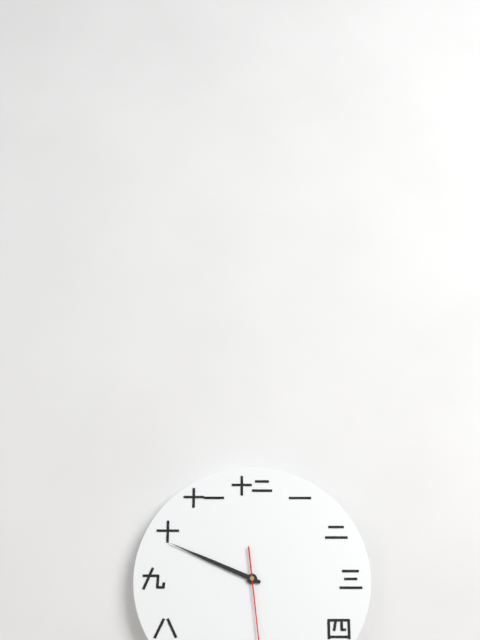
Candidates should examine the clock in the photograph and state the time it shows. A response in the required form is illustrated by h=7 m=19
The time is h=9 m=49
